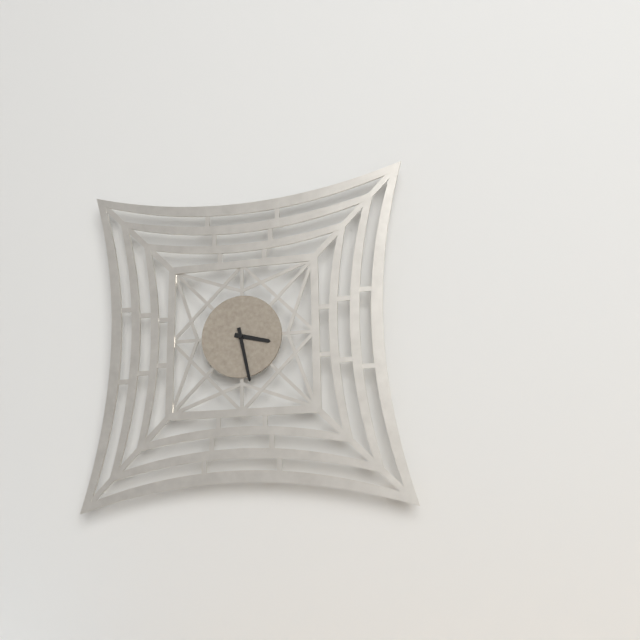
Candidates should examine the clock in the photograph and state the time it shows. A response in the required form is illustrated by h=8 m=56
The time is h=3 m=28
